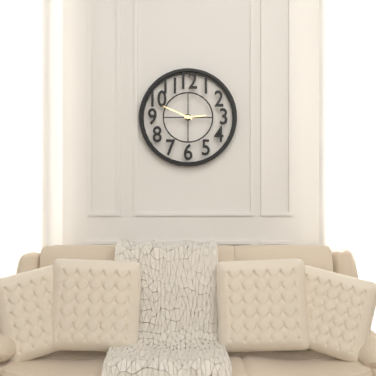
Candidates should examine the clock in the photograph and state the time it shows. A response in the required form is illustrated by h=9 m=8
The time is h=2 m=49
